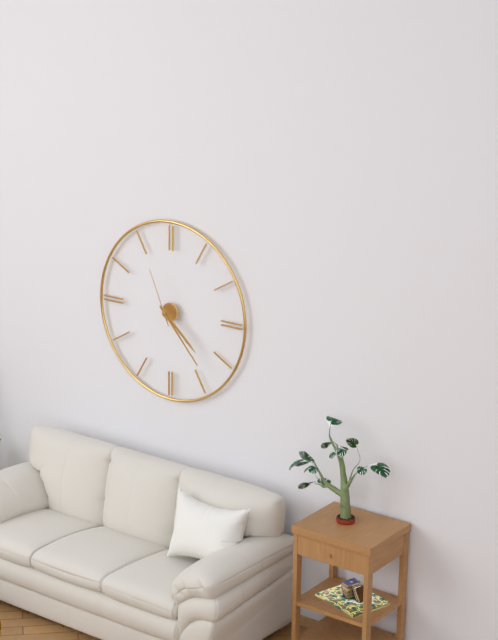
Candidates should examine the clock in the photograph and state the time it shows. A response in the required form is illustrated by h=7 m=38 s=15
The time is h=4 m=23 s=56
